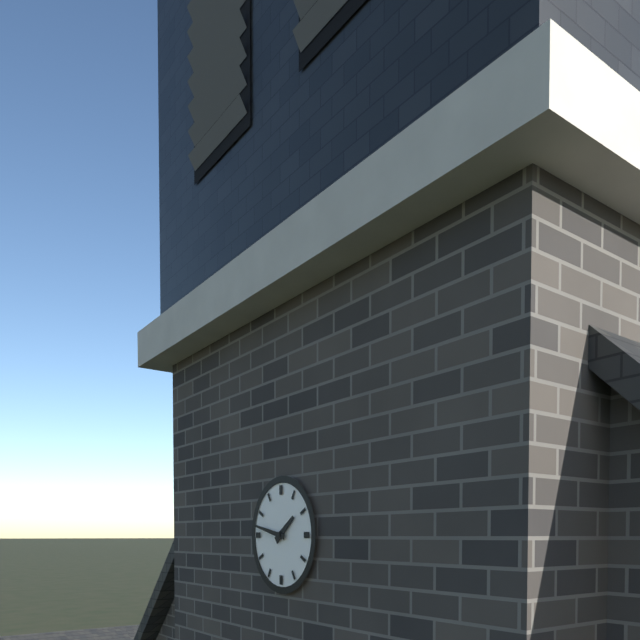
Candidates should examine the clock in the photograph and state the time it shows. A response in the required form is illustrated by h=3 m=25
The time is h=1 m=47
